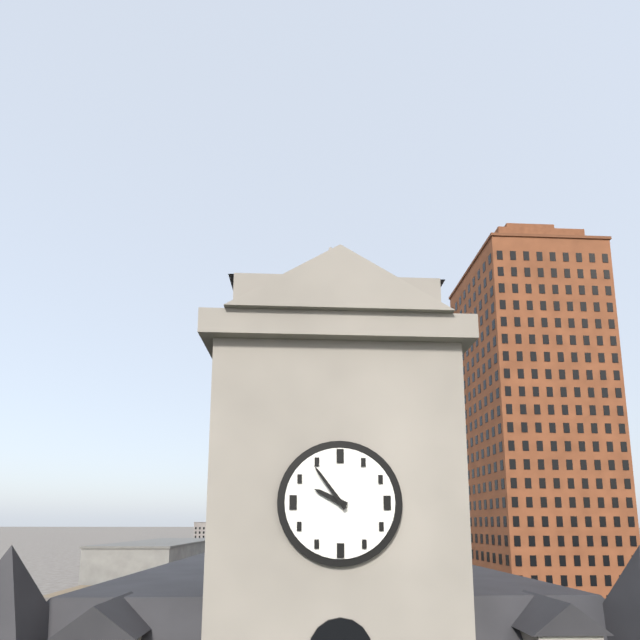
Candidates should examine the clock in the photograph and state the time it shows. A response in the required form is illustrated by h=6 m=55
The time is h=9 m=54
